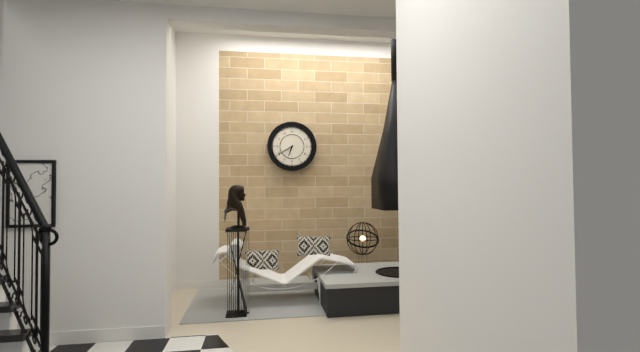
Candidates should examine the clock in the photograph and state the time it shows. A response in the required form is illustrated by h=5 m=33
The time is h=6 m=40
